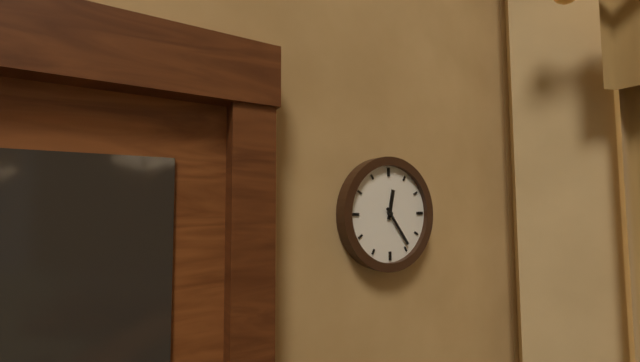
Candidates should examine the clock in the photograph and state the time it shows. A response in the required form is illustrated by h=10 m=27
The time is h=12 m=24
